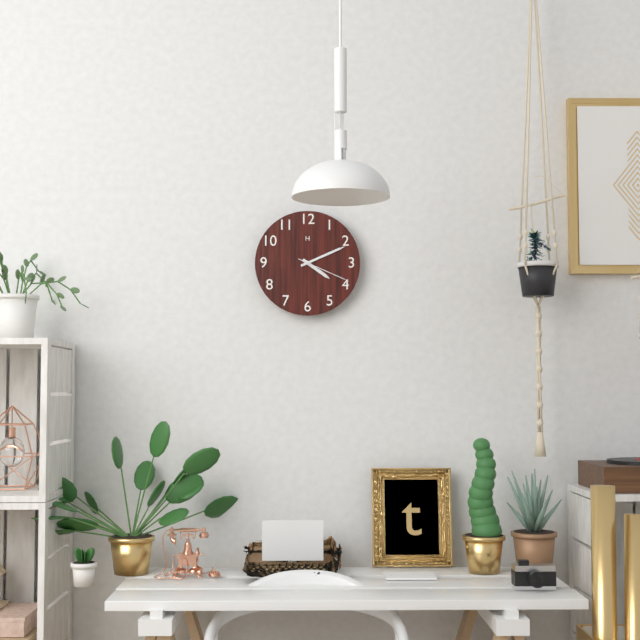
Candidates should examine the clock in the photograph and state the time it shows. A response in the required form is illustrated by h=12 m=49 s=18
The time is h=4 m=11 s=19
